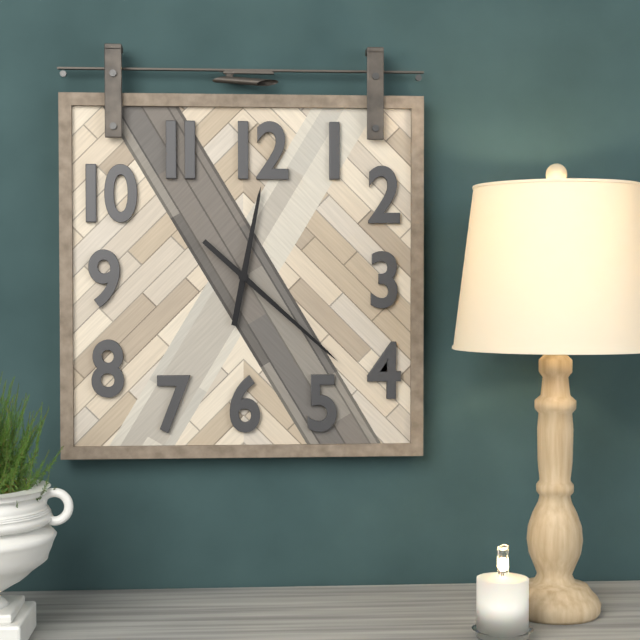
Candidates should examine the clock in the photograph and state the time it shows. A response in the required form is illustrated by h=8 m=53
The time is h=12 m=22
